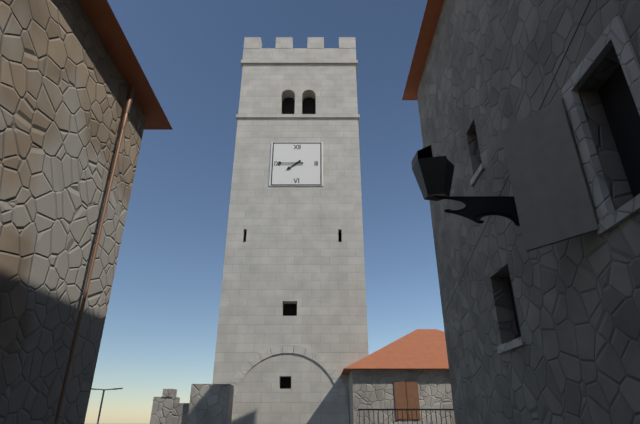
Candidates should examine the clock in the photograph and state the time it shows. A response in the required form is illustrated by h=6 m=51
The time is h=7 m=45
